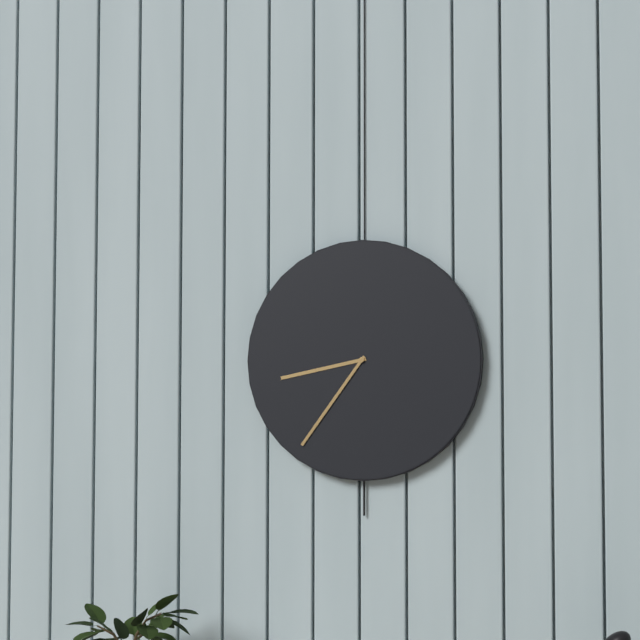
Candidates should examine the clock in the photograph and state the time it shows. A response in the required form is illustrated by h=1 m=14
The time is h=8 m=36
